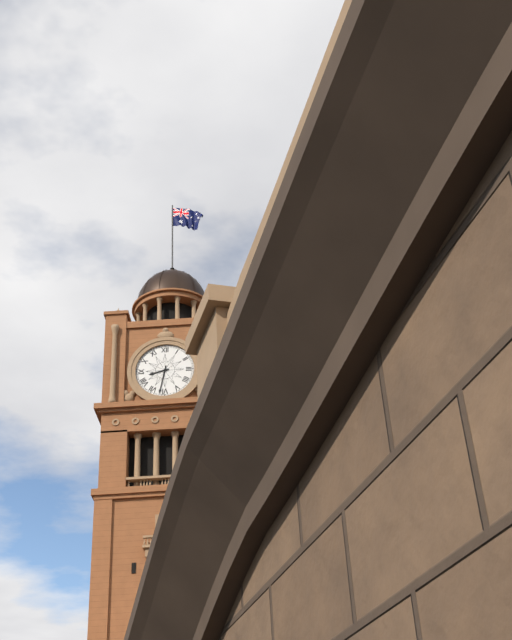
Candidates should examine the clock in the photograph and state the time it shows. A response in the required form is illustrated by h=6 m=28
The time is h=8 m=32
